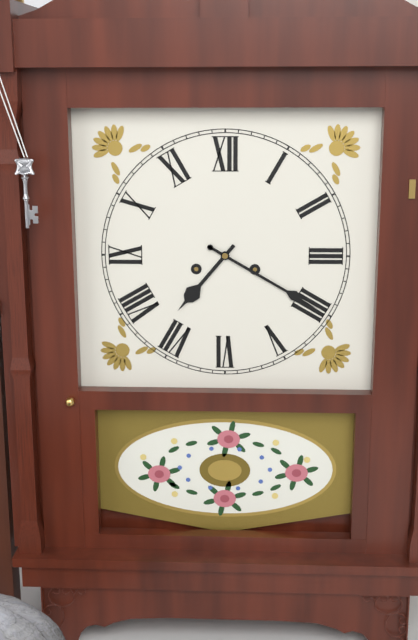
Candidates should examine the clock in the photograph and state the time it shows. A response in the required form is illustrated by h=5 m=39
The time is h=7 m=20
